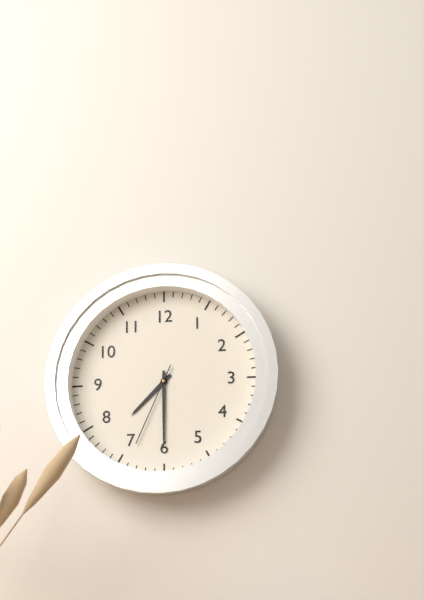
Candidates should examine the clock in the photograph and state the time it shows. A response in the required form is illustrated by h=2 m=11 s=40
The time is h=7 m=30 s=34
